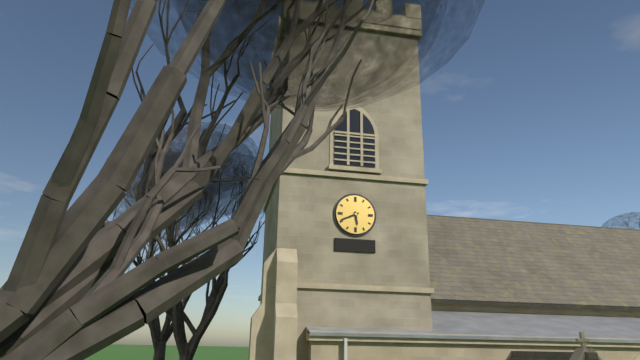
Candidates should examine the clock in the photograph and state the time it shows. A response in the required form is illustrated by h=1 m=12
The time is h=5 m=41
